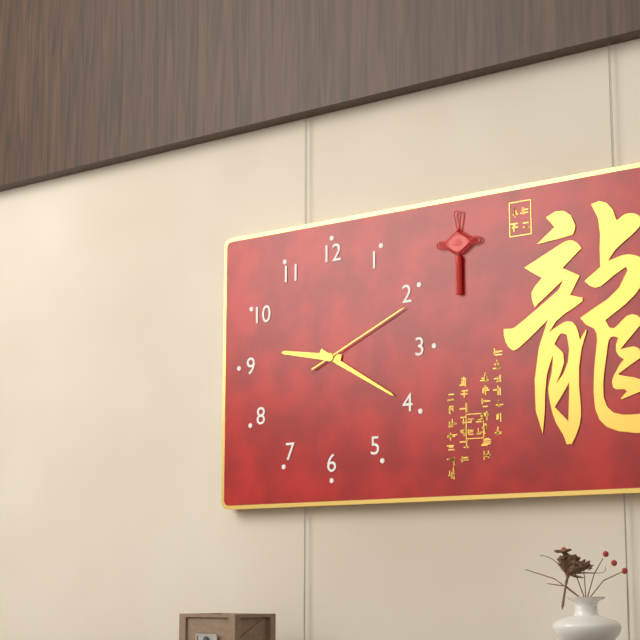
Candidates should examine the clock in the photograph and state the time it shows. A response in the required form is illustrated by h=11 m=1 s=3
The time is h=9 m=20 s=11
